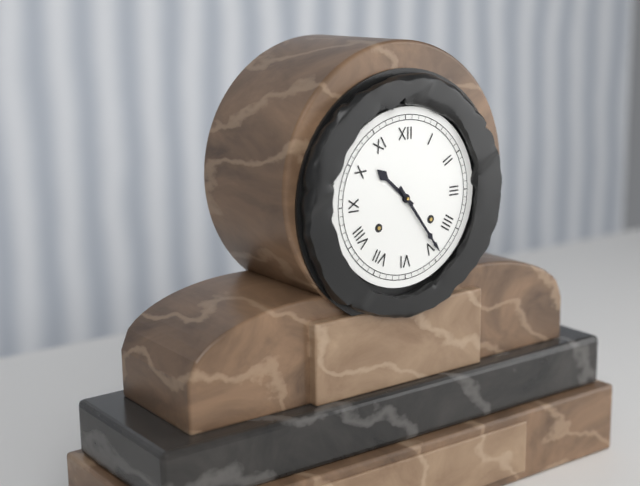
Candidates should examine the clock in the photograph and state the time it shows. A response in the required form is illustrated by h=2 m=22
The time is h=10 m=24
